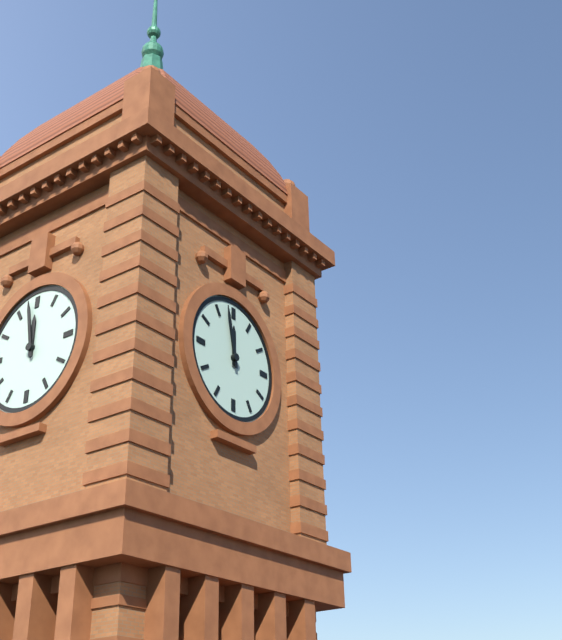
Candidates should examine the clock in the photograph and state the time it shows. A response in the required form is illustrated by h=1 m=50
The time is h=11 m=58
